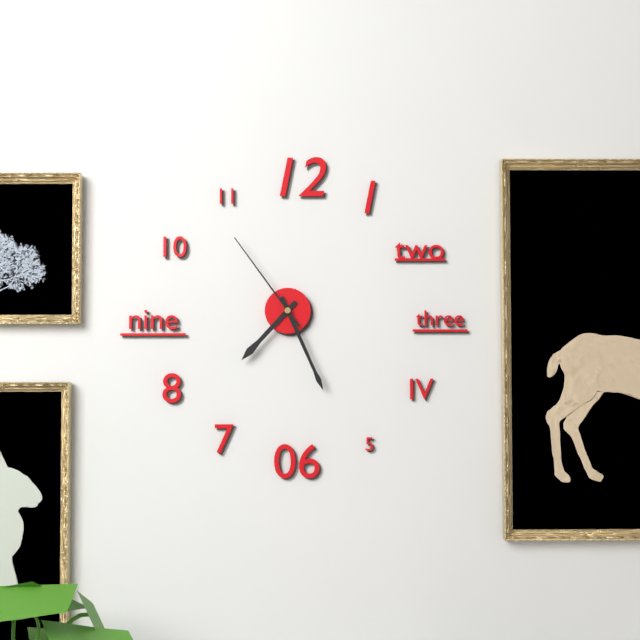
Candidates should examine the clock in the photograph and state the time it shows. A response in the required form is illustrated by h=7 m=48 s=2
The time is h=7 m=26 s=54
